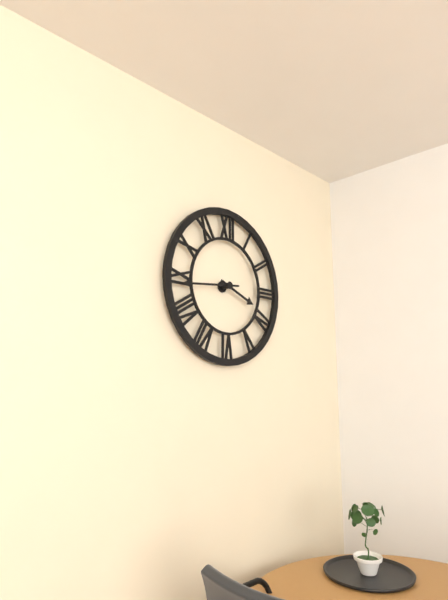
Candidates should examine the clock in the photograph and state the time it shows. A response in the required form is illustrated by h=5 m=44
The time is h=3 m=44
